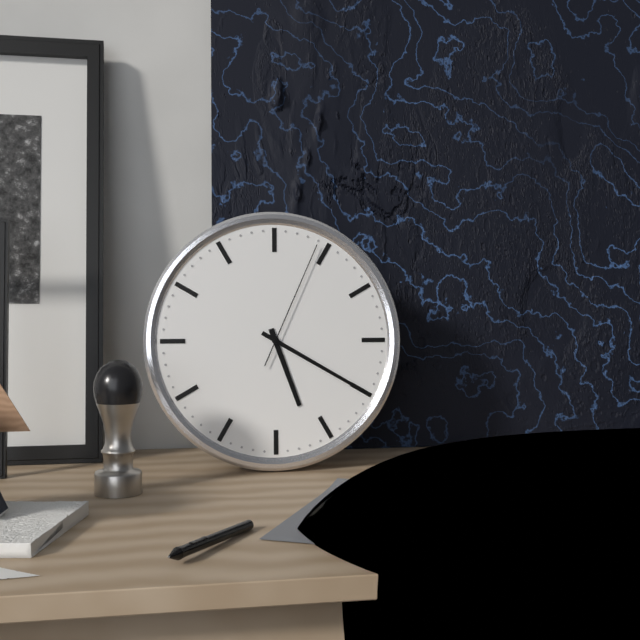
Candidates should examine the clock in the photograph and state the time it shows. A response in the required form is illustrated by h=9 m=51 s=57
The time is h=5 m=20 s=4
